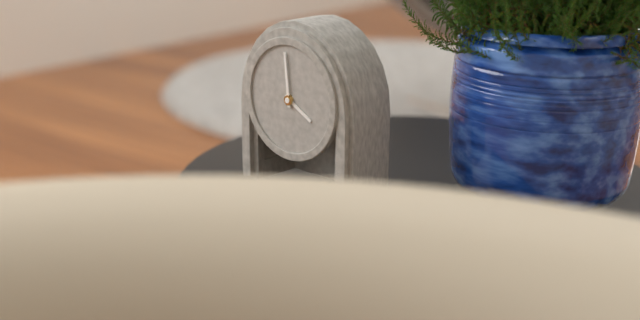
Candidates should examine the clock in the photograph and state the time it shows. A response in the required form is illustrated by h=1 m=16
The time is h=3 m=59
